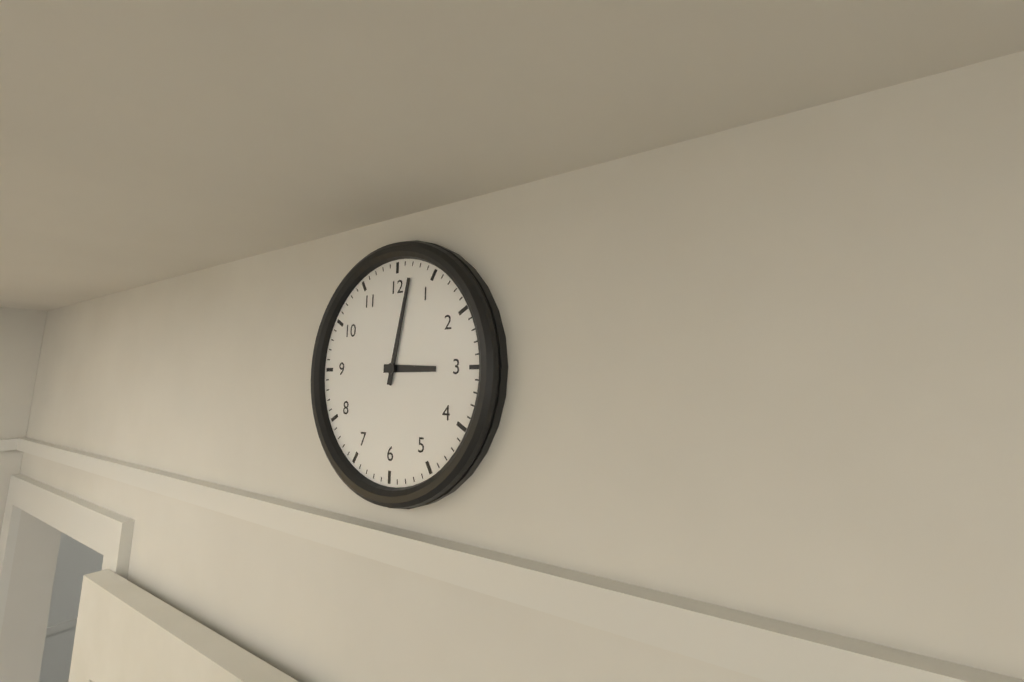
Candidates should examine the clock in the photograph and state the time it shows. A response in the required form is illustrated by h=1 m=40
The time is h=3 m=2
